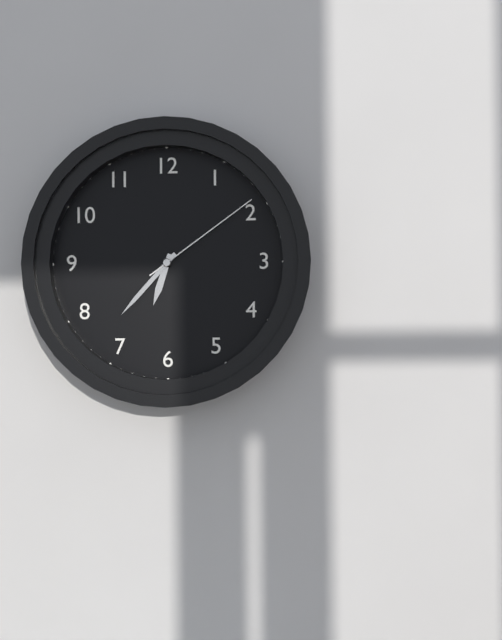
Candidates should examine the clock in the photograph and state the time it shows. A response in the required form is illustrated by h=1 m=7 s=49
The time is h=6 m=37 s=9
